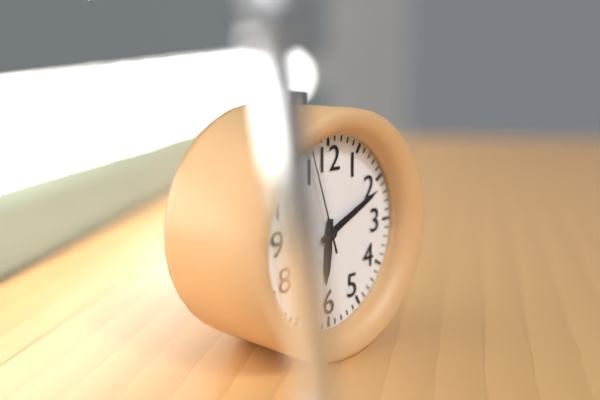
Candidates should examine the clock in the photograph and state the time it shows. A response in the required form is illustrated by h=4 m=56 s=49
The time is h=6 m=11 s=57
